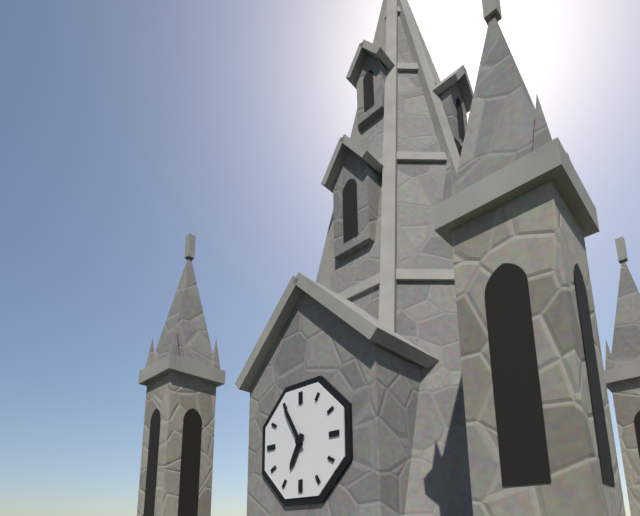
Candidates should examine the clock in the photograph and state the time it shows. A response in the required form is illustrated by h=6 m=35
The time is h=6 m=55
